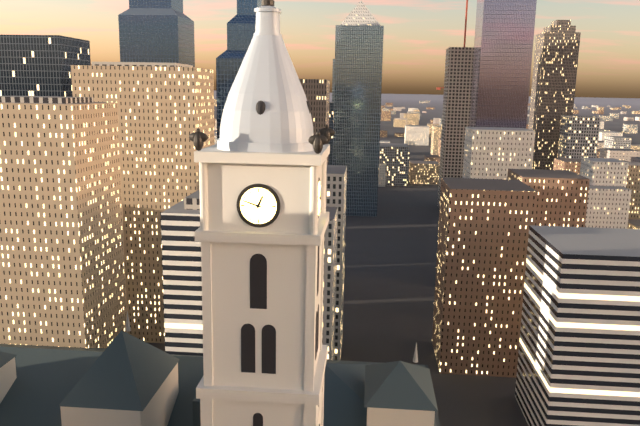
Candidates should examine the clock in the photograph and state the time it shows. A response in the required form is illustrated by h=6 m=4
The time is h=12 m=48
